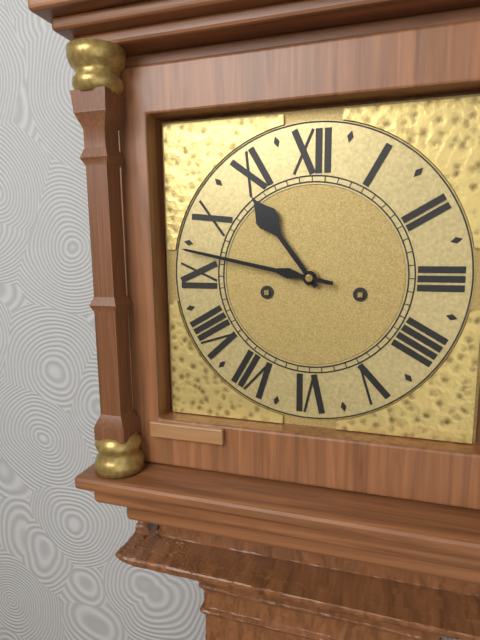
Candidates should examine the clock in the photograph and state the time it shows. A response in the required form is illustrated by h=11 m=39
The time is h=10 m=47
